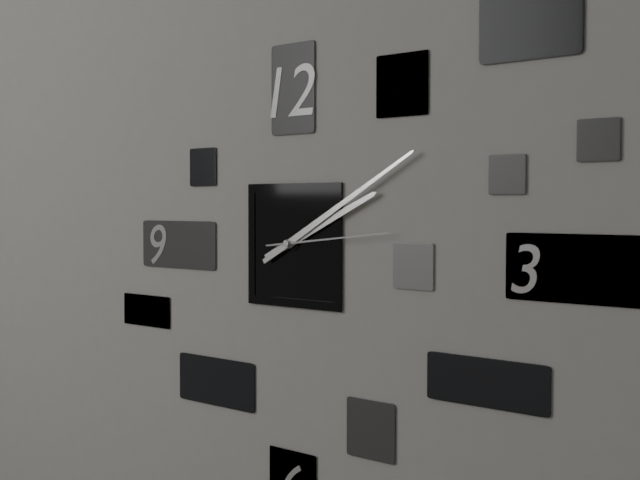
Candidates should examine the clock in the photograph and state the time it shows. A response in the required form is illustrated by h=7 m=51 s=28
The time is h=2 m=10 s=14
